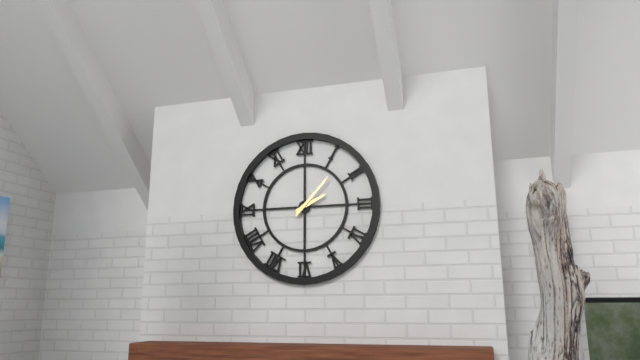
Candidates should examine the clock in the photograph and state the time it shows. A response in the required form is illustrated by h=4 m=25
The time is h=2 m=7
